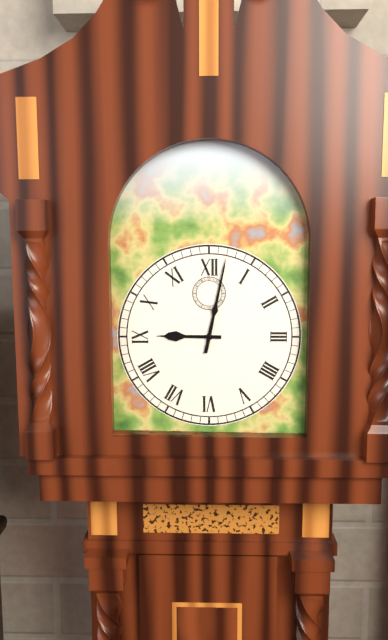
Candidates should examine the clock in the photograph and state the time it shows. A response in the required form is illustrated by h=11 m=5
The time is h=9 m=2
